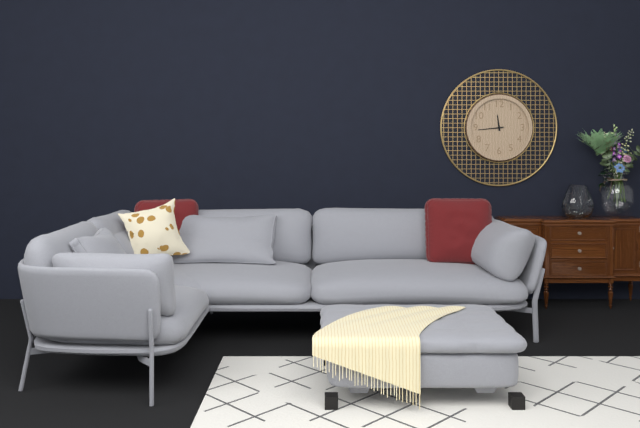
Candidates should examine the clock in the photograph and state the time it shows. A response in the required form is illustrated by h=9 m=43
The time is h=11 m=44
